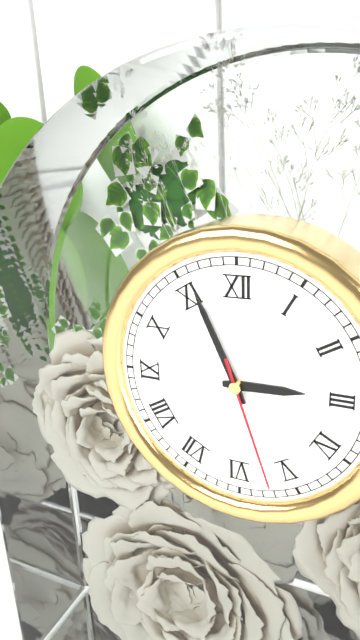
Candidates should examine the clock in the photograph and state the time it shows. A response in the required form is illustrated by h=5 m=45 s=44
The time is h=2 m=56 s=27
